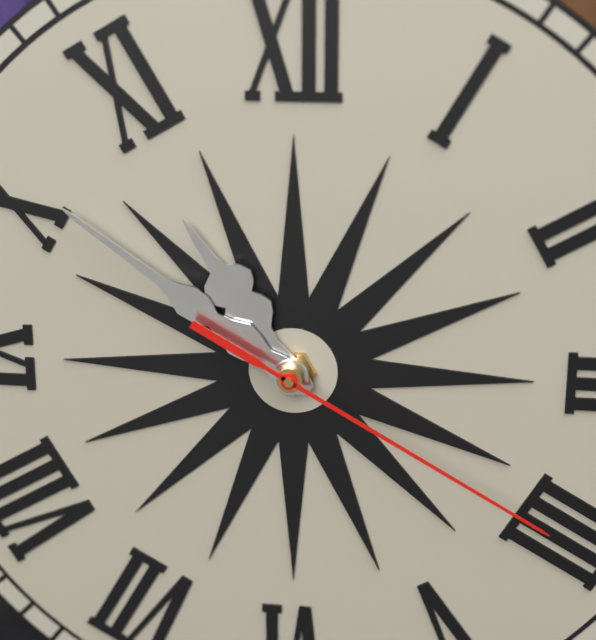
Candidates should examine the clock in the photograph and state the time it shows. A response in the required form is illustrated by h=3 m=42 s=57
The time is h=10 m=51 s=20
